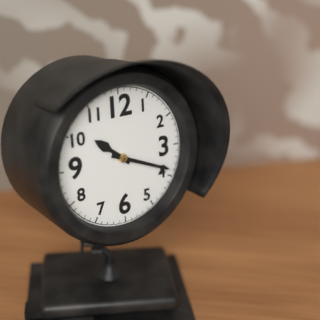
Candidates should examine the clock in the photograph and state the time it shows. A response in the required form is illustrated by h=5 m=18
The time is h=10 m=19
